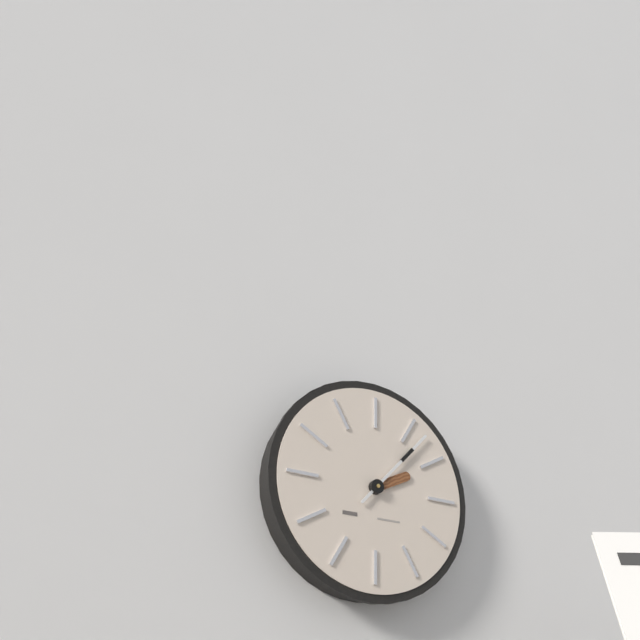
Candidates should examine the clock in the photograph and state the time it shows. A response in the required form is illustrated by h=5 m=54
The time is h=2 m=7
